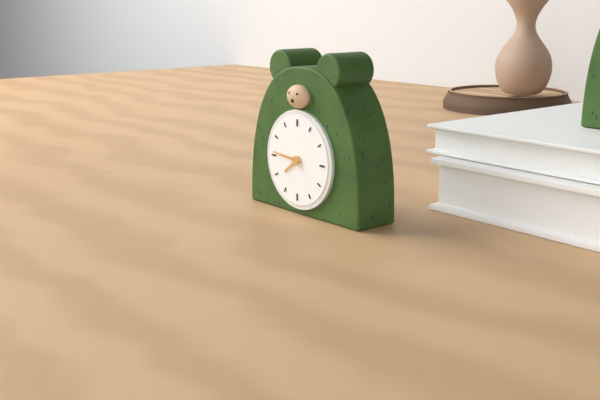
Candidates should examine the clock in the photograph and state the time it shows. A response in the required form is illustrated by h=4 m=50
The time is h=7 m=46
